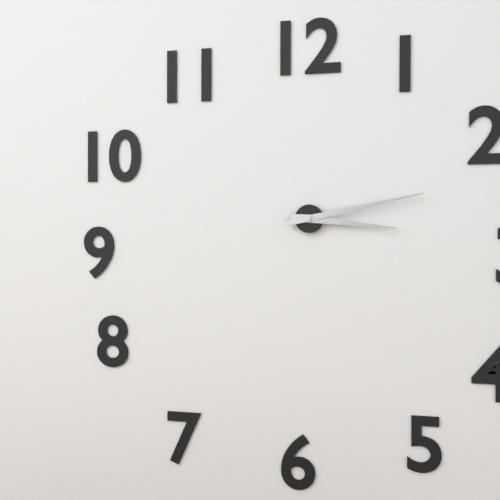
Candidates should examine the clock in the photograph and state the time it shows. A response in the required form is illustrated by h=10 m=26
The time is h=3 m=13
